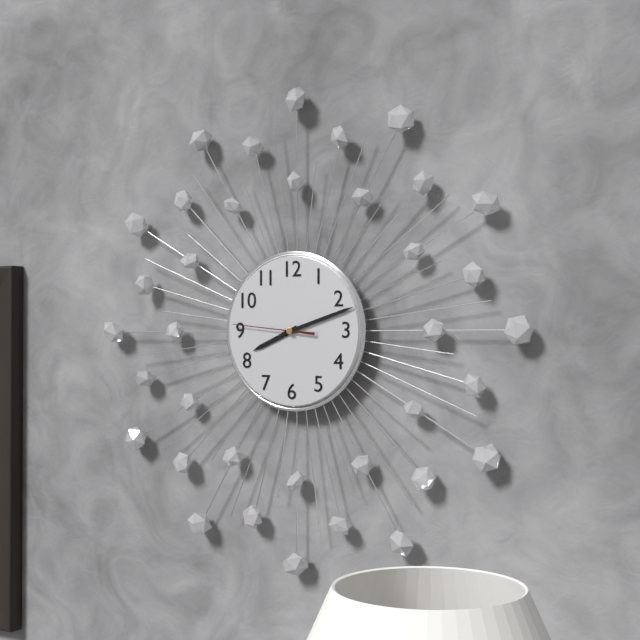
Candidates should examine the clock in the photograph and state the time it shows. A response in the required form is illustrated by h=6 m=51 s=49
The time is h=8 m=12 s=46
